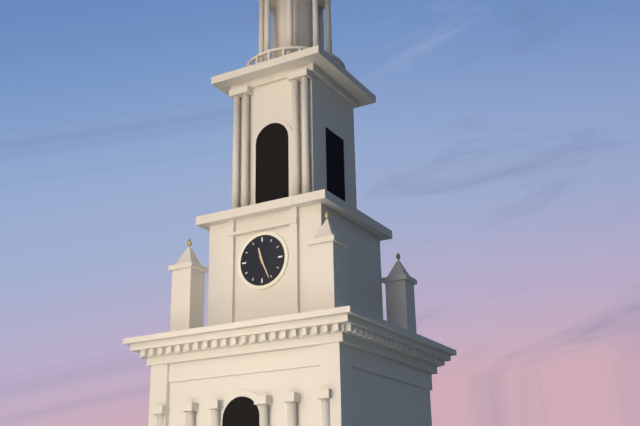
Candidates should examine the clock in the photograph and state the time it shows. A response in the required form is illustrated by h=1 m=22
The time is h=11 m=26
